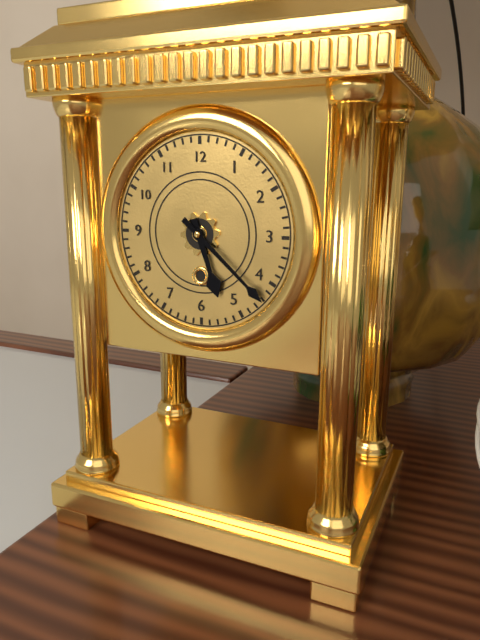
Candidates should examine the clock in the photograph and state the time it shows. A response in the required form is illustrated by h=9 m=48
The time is h=5 m=22
